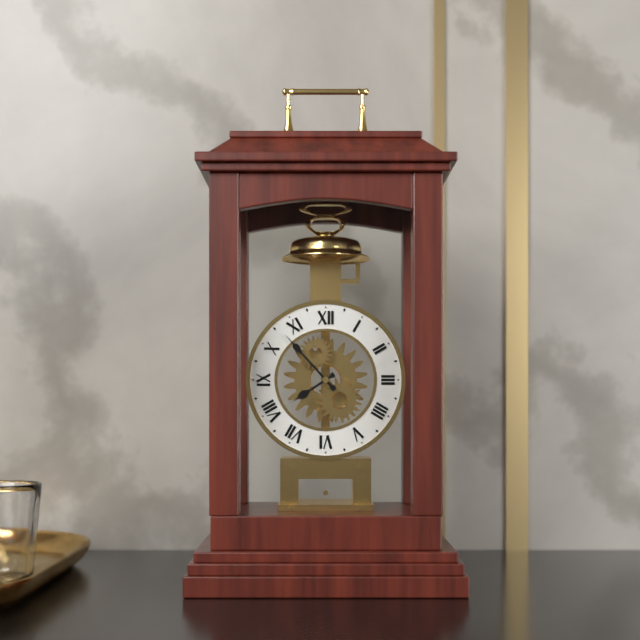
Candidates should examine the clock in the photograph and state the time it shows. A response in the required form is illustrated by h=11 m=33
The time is h=7 m=53
